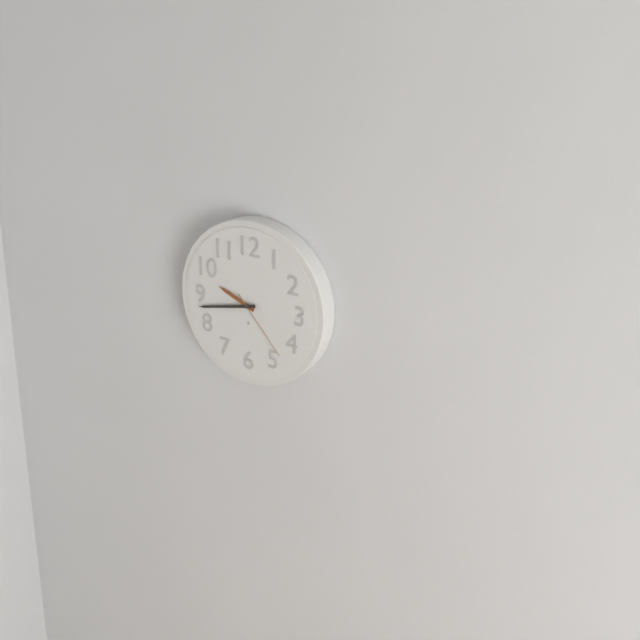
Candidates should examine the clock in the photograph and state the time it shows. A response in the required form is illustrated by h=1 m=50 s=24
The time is h=9 m=43 s=23
